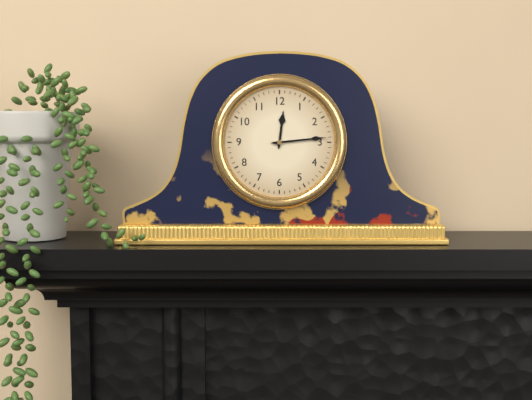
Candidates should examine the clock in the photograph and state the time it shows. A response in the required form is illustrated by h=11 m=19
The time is h=12 m=14
